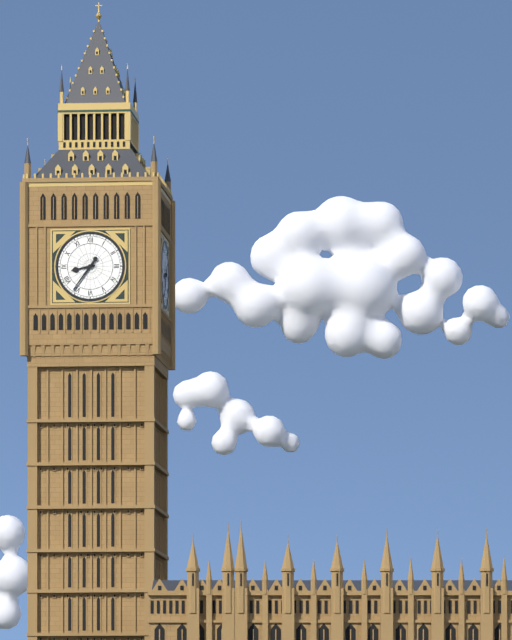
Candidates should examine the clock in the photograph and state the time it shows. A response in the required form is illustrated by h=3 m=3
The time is h=8 m=36
